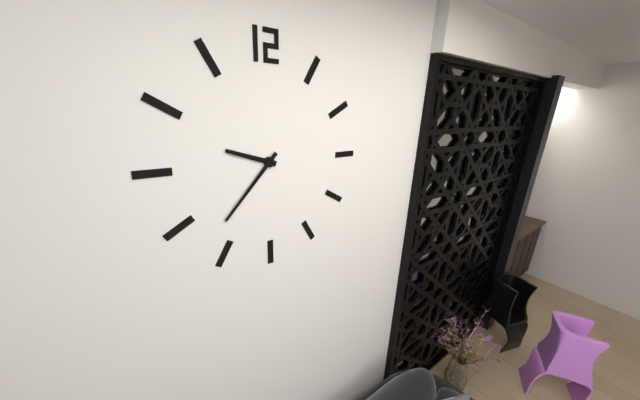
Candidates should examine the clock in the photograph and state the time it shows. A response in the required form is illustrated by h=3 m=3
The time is h=9 m=37
